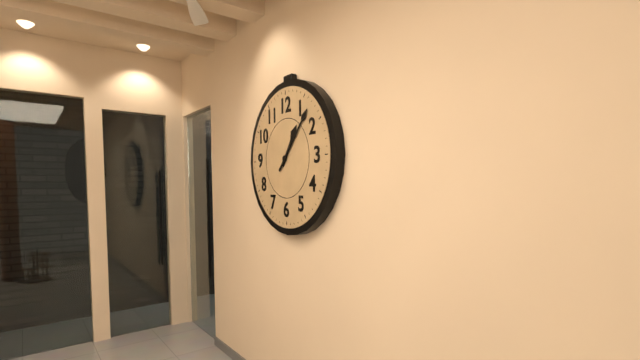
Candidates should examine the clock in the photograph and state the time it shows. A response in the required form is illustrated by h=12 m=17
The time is h=1 m=7
